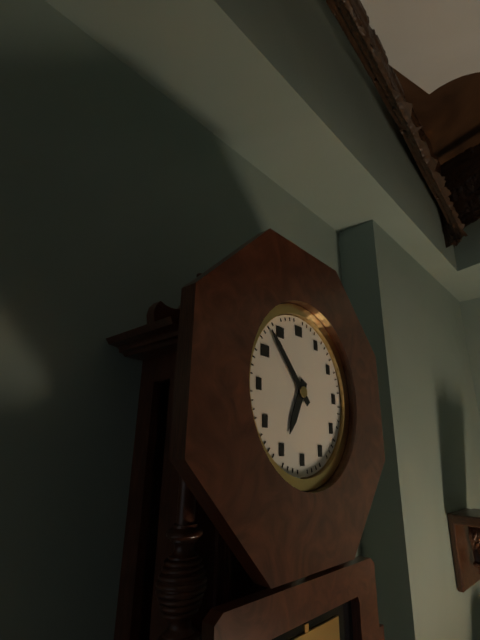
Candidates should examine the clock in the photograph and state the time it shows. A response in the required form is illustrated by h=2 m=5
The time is h=6 m=53
